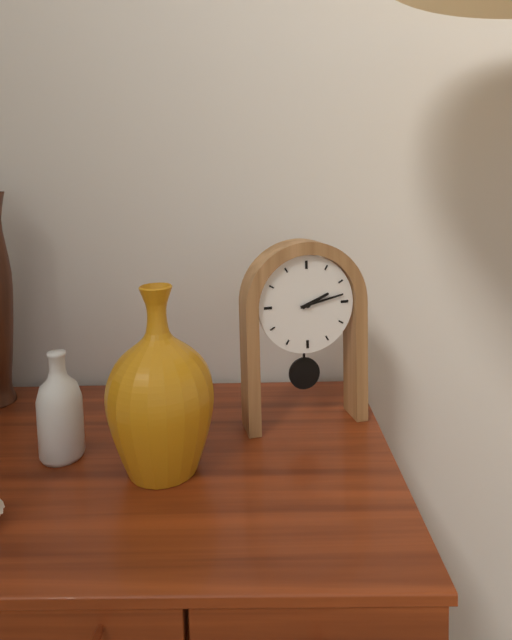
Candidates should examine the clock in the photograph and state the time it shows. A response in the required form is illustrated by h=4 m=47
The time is h=2 m=13
